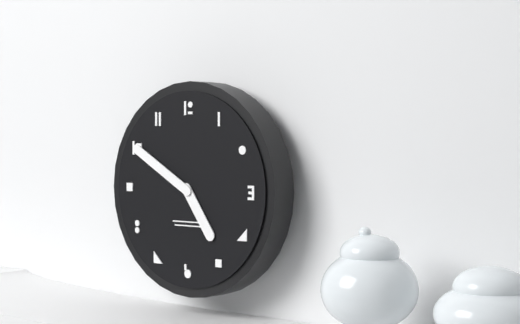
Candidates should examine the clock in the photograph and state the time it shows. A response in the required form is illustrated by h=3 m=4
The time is h=4 m=50
